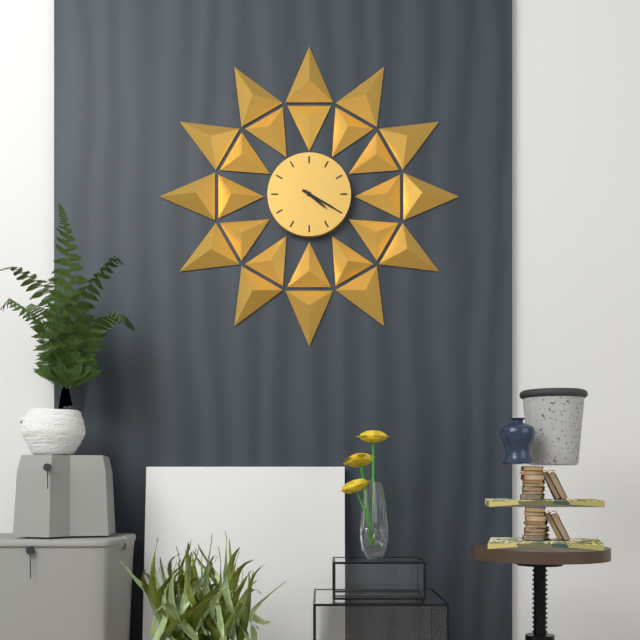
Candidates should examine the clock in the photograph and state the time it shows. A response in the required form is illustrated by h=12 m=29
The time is h=4 m=20
